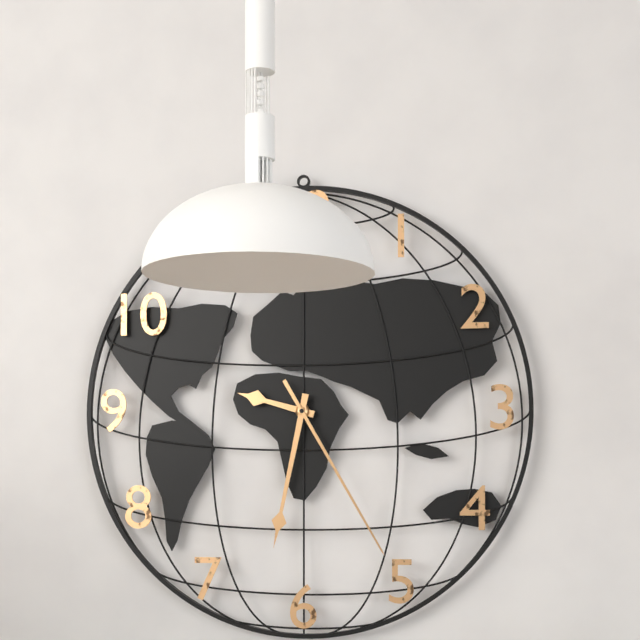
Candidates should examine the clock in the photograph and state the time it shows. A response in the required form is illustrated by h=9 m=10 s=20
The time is h=9 m=32 s=25
